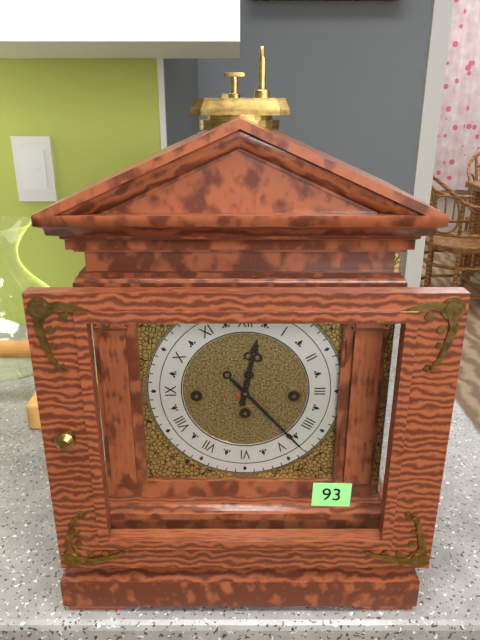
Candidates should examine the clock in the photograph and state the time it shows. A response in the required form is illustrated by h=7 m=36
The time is h=12 m=23
